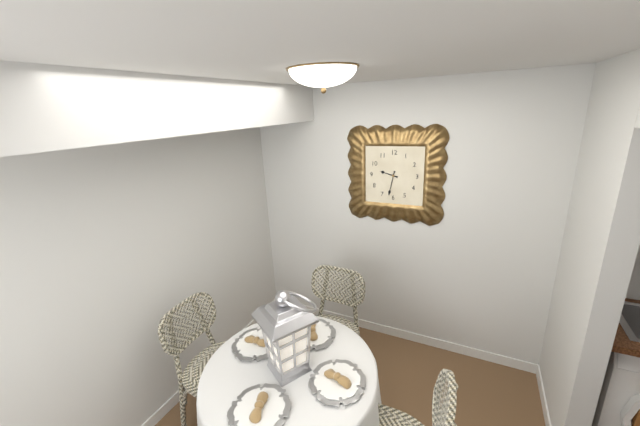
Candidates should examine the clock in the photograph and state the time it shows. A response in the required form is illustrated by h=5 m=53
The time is h=9 m=32
